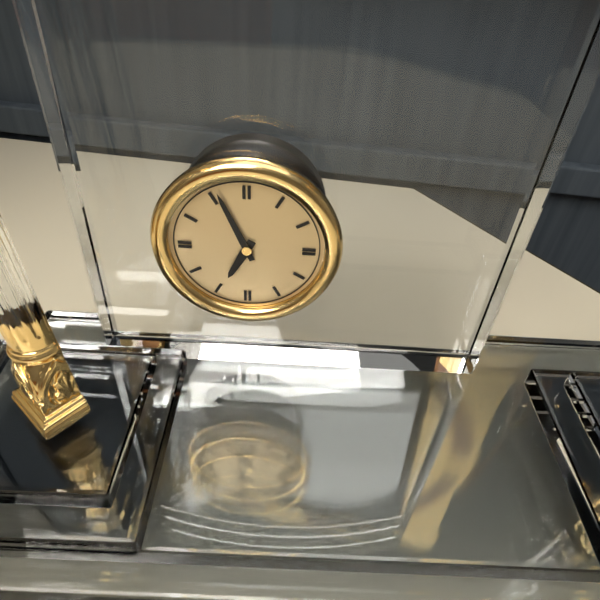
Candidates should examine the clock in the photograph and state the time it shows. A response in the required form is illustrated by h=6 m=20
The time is h=6 m=56
